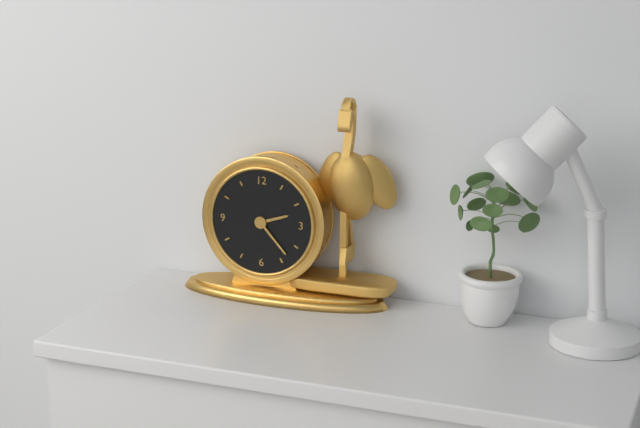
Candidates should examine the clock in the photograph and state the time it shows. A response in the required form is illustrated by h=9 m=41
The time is h=2 m=23
